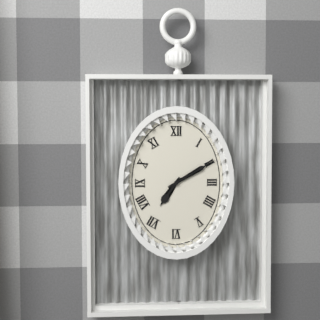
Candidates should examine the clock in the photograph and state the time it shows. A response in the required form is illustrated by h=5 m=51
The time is h=7 m=10
